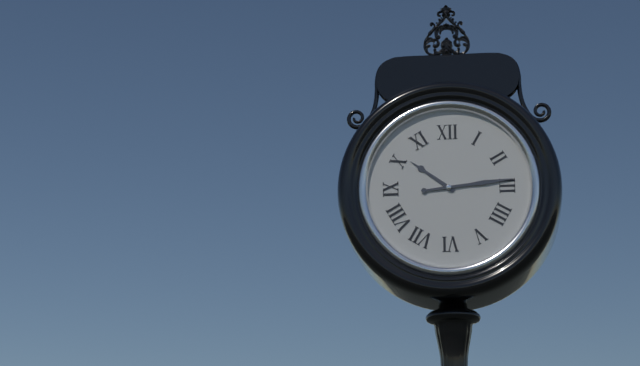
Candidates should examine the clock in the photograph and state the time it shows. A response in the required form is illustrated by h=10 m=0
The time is h=10 m=14
